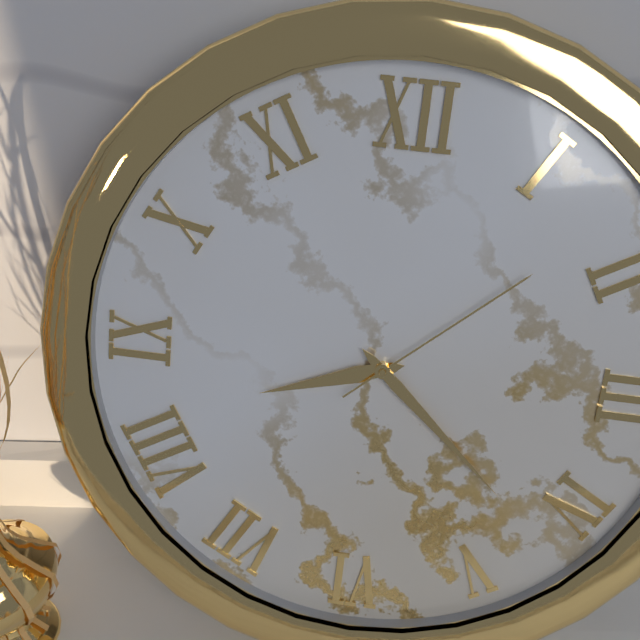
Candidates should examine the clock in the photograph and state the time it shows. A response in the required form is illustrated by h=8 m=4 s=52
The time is h=8 m=22 s=8
